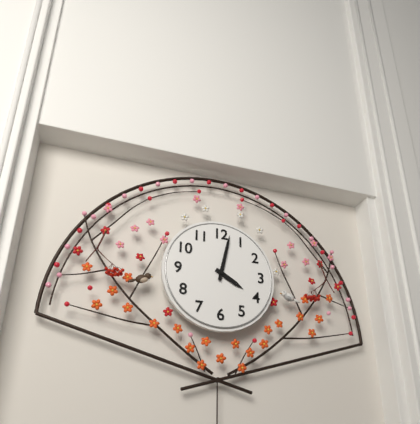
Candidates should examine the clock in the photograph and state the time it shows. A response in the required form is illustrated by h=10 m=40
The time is h=4 m=2
